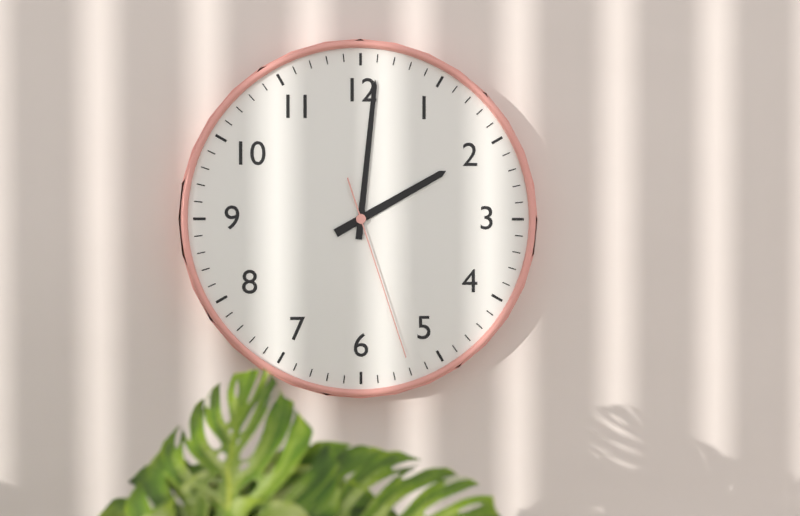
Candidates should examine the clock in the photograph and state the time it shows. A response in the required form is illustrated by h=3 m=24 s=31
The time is h=2 m=1 s=27
